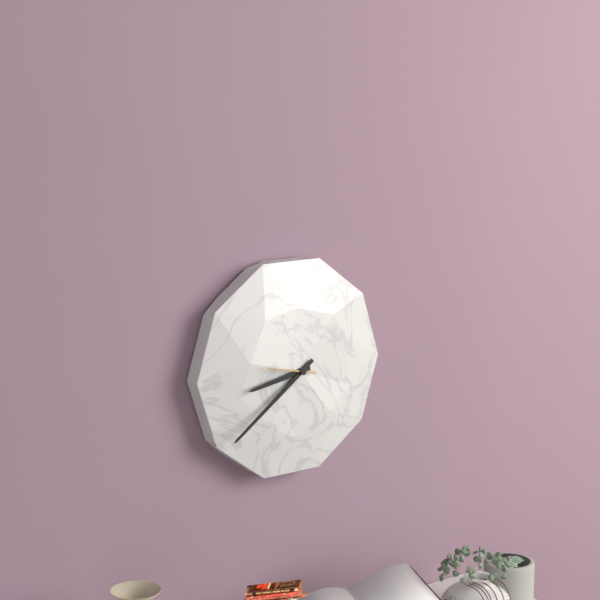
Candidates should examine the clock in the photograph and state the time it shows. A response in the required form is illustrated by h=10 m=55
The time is h=8 m=39
